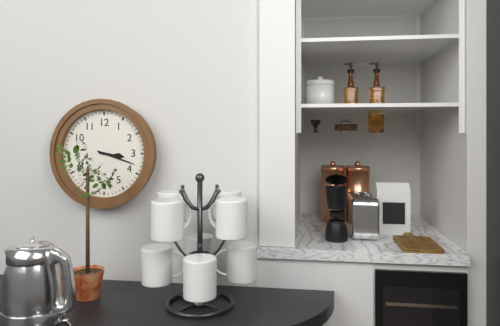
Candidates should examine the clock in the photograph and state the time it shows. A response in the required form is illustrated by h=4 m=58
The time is h=3 m=18
